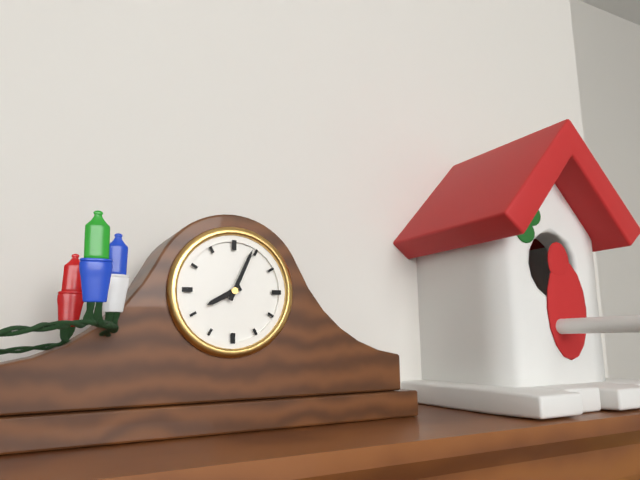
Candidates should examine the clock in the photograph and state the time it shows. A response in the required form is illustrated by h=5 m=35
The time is h=8 m=4
